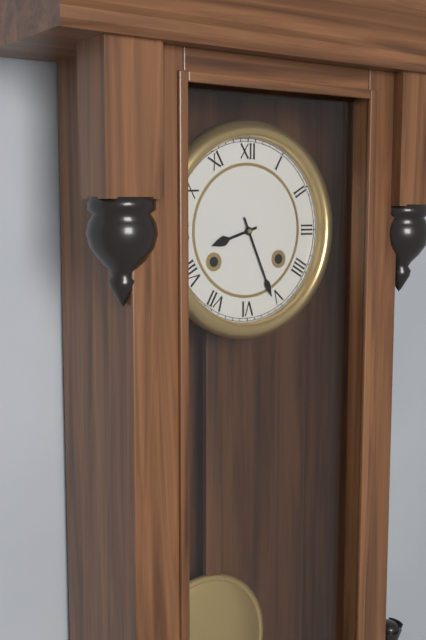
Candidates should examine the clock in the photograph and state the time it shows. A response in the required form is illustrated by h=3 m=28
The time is h=8 m=26
